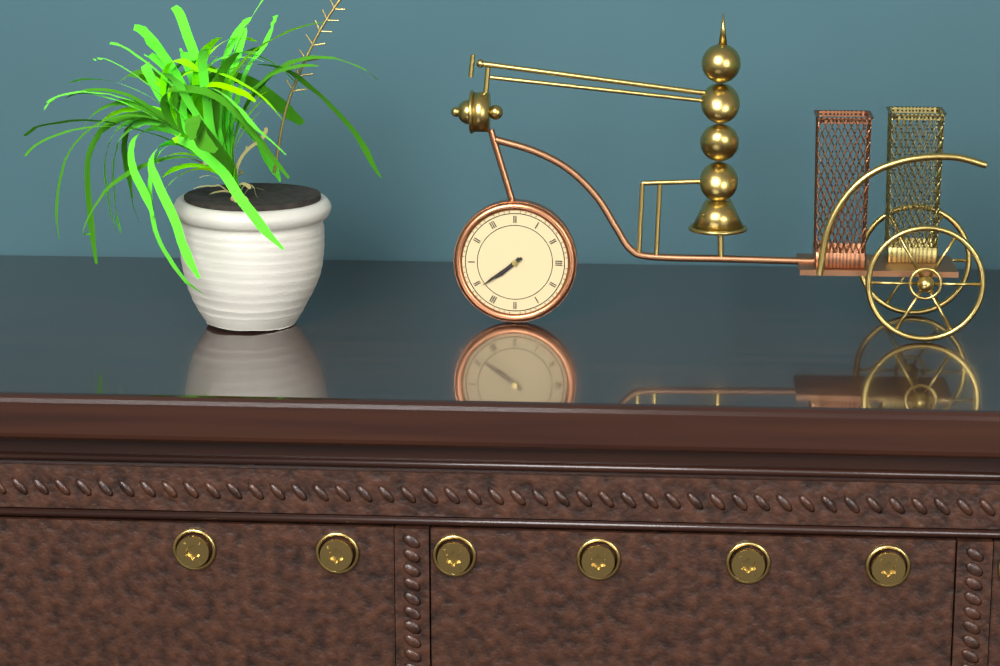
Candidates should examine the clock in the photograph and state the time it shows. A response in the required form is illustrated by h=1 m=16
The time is h=7 m=39
